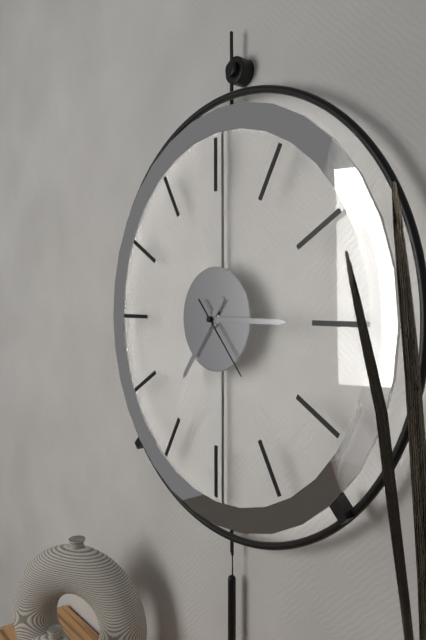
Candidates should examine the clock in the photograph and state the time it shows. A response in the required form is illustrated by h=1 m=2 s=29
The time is h=7 m=15 s=23
